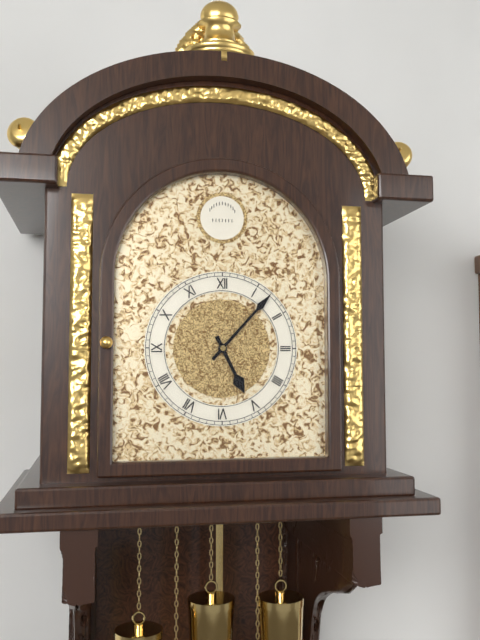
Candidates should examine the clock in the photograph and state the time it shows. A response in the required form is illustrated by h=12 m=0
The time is h=5 m=7
